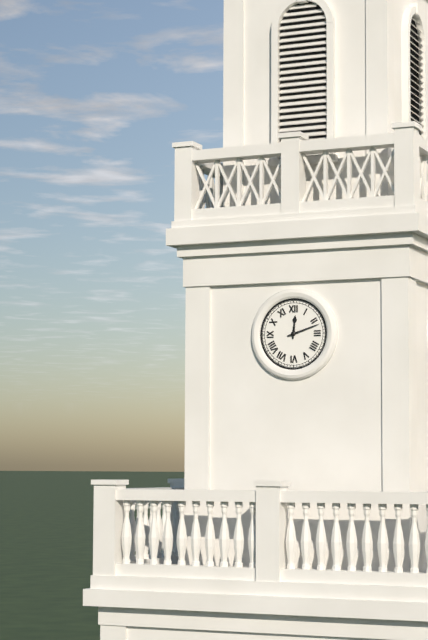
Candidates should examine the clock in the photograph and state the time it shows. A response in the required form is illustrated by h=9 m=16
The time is h=12 m=12
